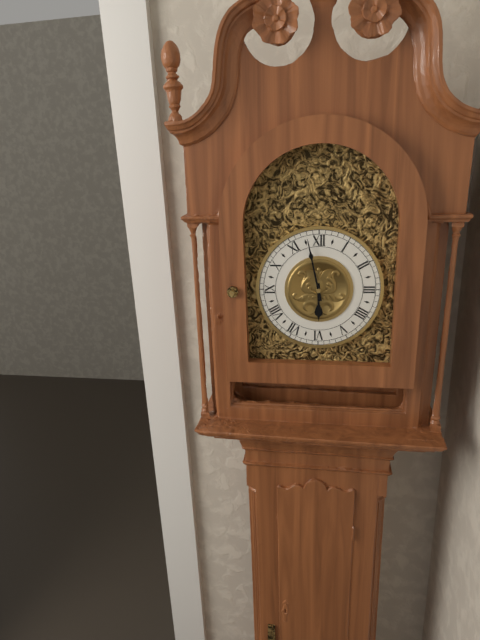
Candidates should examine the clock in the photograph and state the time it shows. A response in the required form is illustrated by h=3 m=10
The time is h=5 m=58
